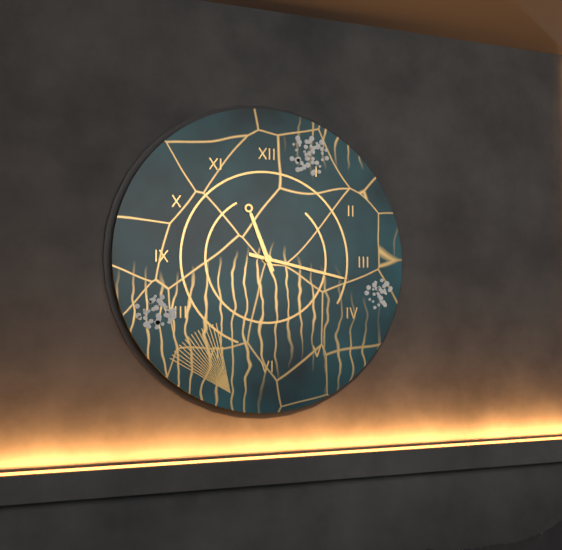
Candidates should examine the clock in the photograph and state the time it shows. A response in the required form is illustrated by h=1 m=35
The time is h=11 m=17
